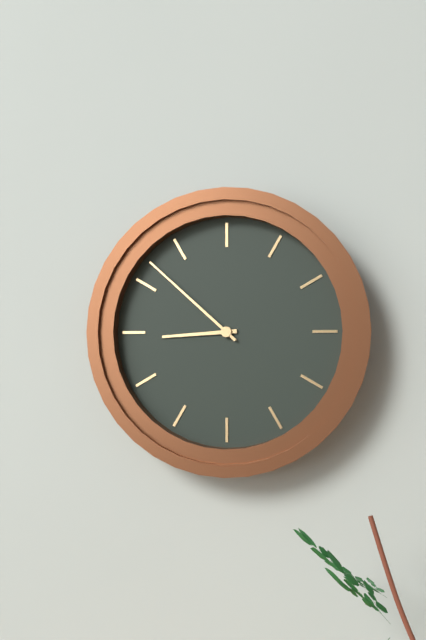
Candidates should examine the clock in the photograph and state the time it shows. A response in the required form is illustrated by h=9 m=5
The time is h=8 m=52
